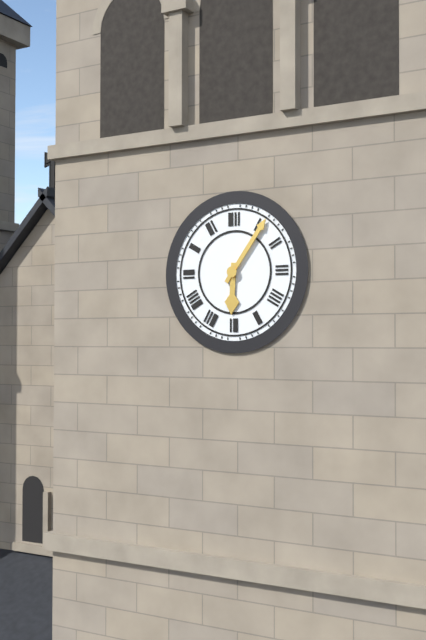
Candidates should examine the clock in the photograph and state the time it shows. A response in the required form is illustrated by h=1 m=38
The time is h=6 m=6
